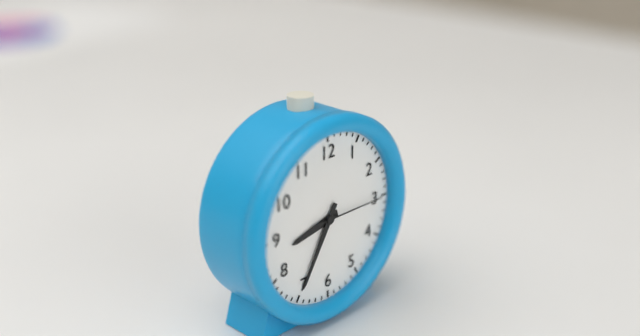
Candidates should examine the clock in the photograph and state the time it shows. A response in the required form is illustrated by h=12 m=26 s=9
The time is h=8 m=35 s=15
